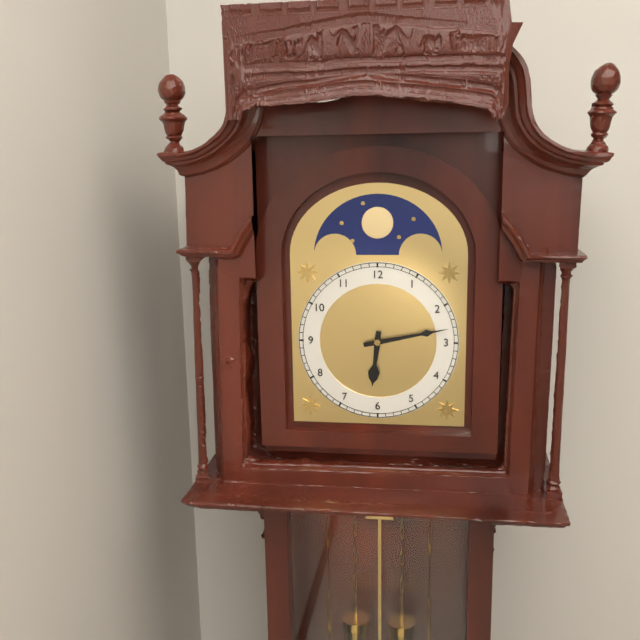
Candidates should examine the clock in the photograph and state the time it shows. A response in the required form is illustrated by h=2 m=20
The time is h=6 m=13
